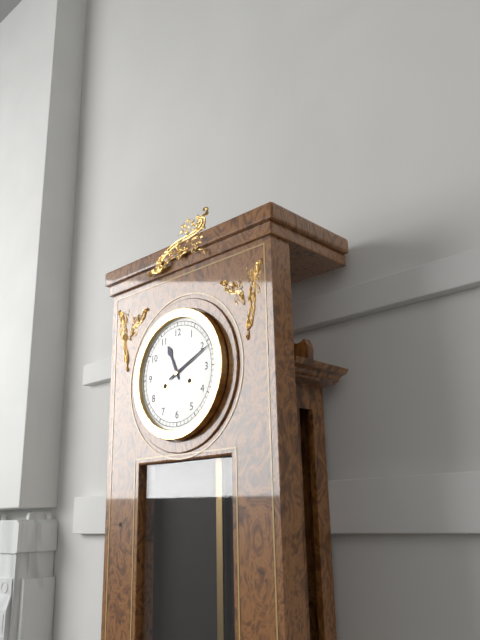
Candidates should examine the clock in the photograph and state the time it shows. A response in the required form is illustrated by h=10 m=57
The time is h=11 m=11
